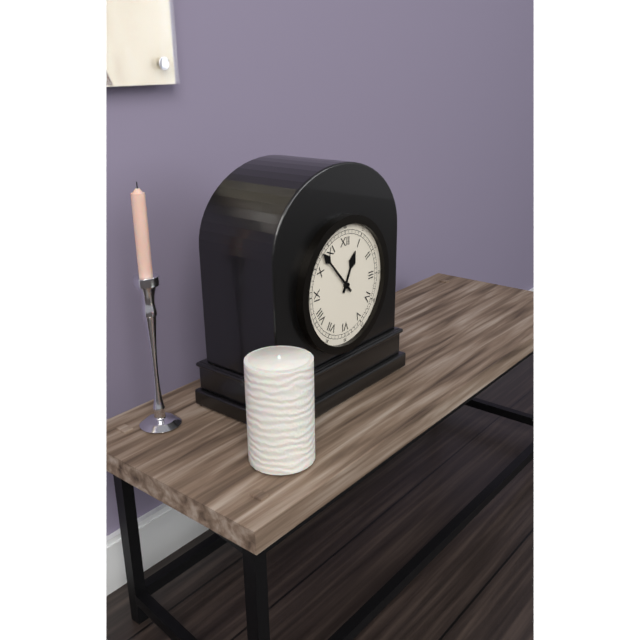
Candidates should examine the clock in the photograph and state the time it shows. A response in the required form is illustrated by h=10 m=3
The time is h=12 m=53
